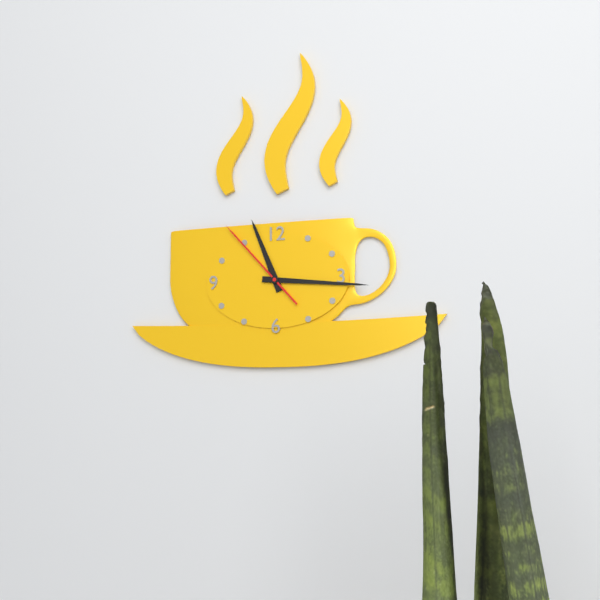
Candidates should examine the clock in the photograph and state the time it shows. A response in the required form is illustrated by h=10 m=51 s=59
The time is h=11 m=16 s=53
